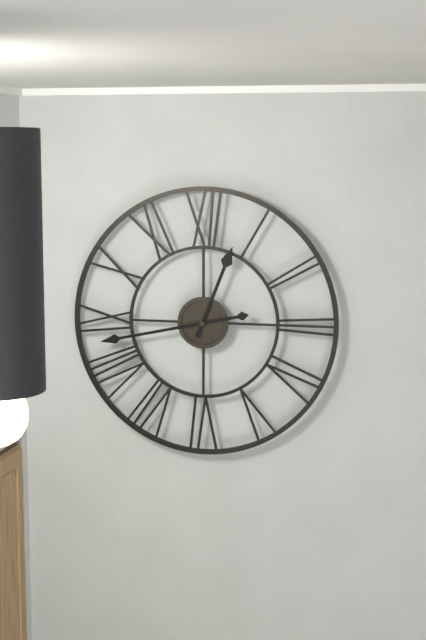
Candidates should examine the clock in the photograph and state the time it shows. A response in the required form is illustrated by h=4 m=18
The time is h=12 m=43
